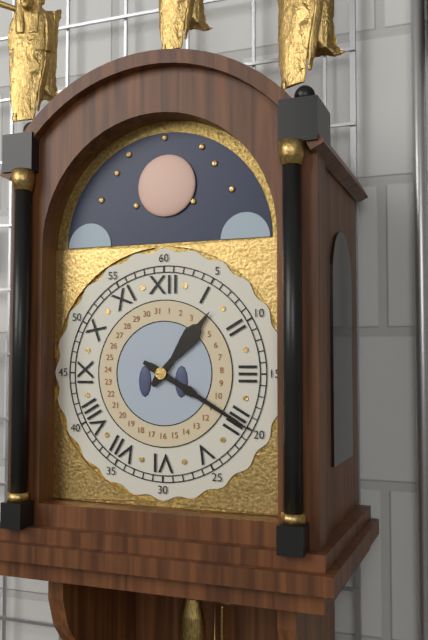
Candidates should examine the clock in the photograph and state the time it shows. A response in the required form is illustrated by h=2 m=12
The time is h=1 m=20
